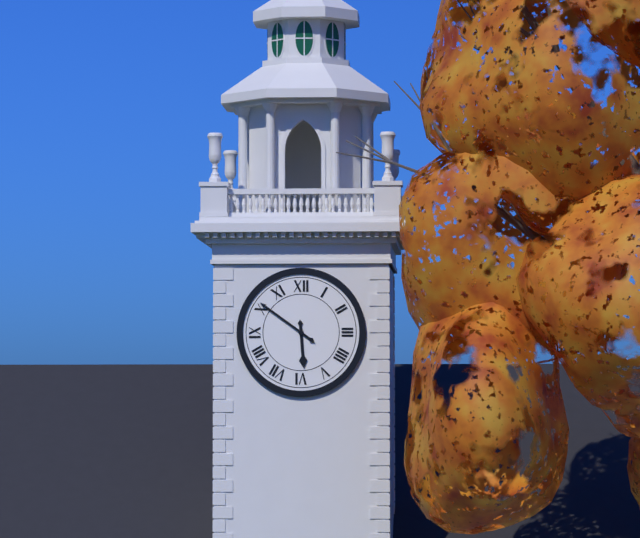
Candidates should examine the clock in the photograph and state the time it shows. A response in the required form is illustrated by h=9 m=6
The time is h=5 m=51
